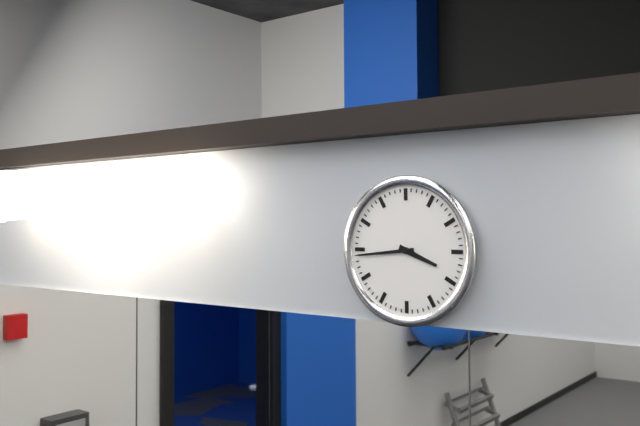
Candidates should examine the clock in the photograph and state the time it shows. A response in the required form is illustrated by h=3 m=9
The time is h=3 m=44
